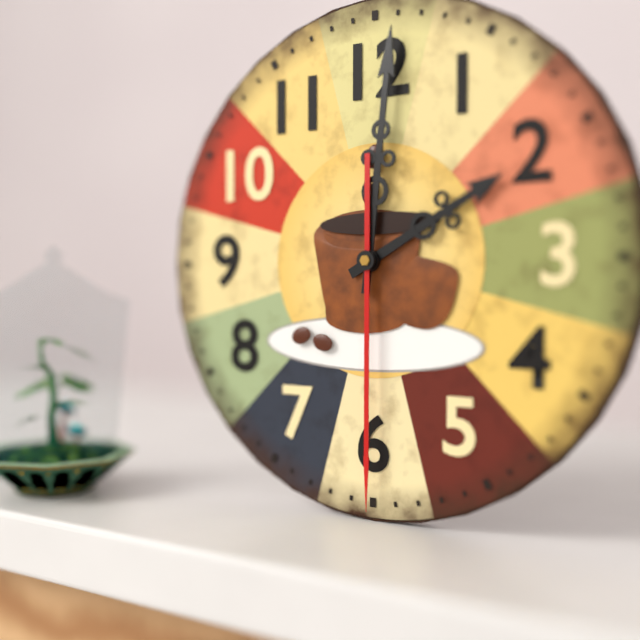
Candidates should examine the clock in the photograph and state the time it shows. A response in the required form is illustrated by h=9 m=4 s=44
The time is h=2 m=1 s=30
